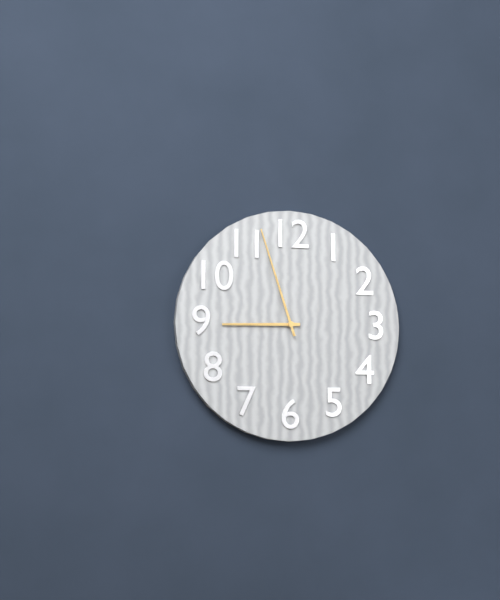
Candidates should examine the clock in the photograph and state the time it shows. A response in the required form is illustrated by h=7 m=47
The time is h=8 m=57
